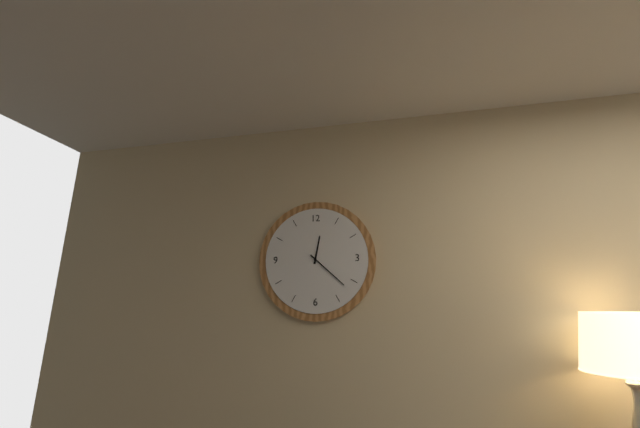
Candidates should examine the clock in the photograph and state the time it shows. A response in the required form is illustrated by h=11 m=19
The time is h=12 m=22
